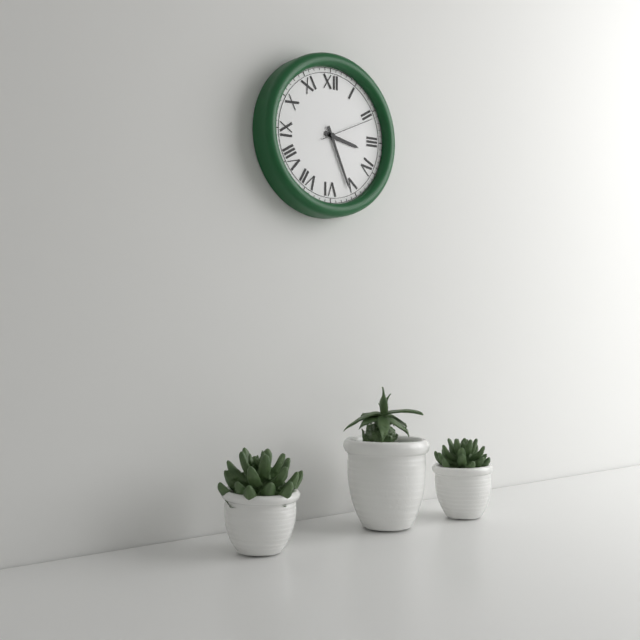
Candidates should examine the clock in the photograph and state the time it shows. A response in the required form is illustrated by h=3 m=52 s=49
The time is h=3 m=26 s=11
